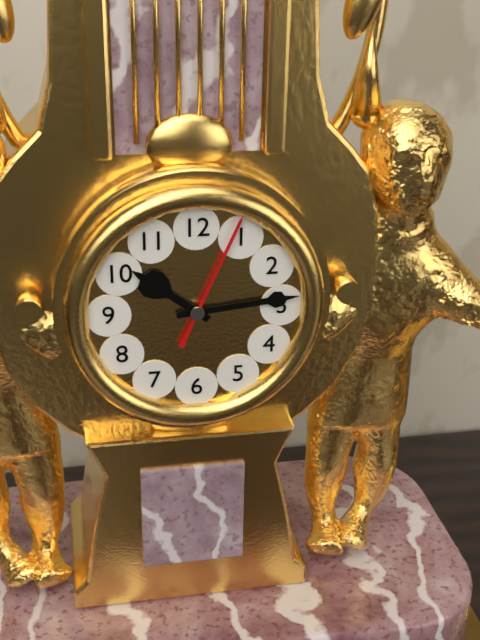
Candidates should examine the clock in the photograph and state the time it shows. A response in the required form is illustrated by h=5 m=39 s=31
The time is h=10 m=14 s=4
